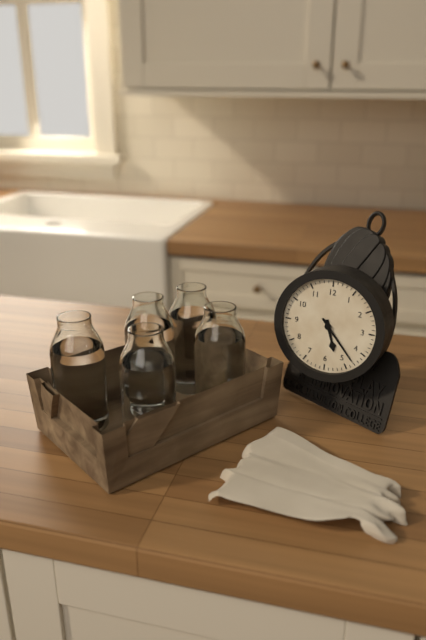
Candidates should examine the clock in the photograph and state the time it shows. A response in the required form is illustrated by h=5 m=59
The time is h=5 m=23
